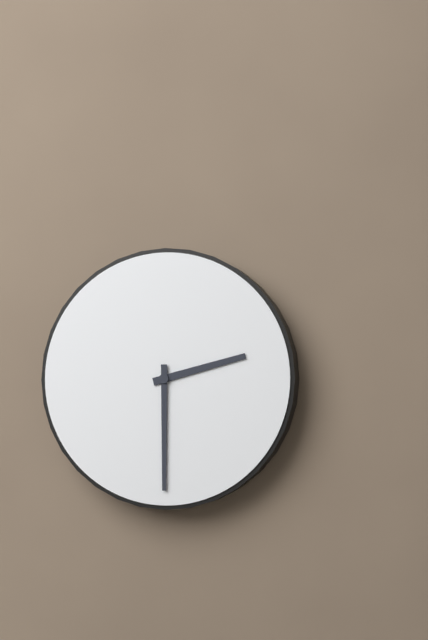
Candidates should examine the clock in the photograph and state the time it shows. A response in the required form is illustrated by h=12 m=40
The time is h=2 m=30
